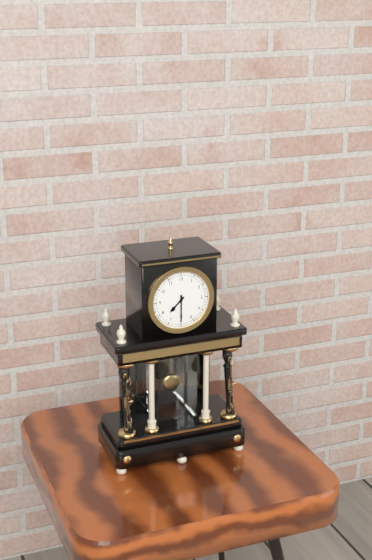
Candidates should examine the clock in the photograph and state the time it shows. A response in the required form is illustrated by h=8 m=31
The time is h=7 m=30
